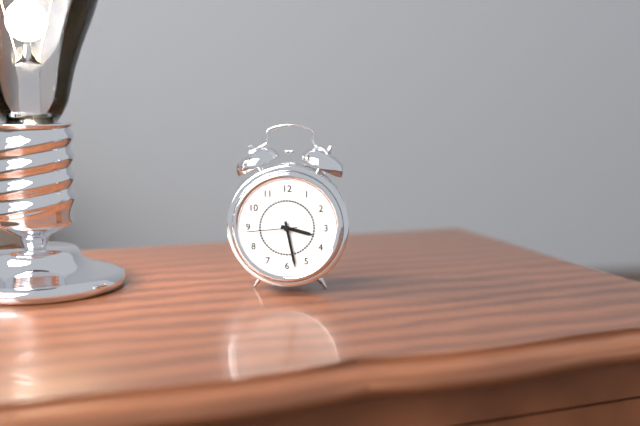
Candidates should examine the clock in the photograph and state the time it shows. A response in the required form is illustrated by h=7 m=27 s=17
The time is h=3 m=28 s=44
